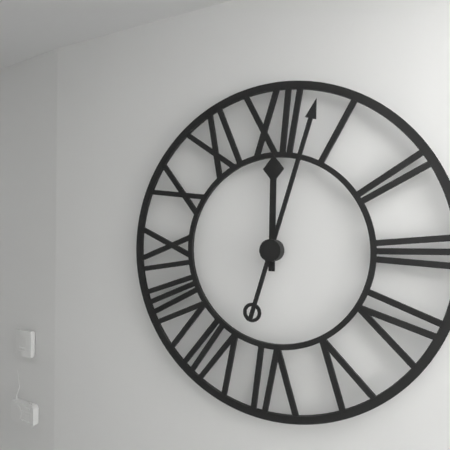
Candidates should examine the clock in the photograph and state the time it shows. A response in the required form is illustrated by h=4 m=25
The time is h=12 m=3
